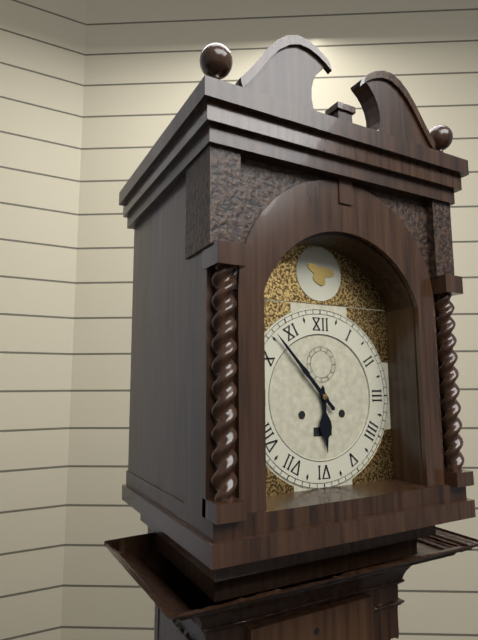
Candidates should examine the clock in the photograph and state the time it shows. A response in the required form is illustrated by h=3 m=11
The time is h=5 m=53
